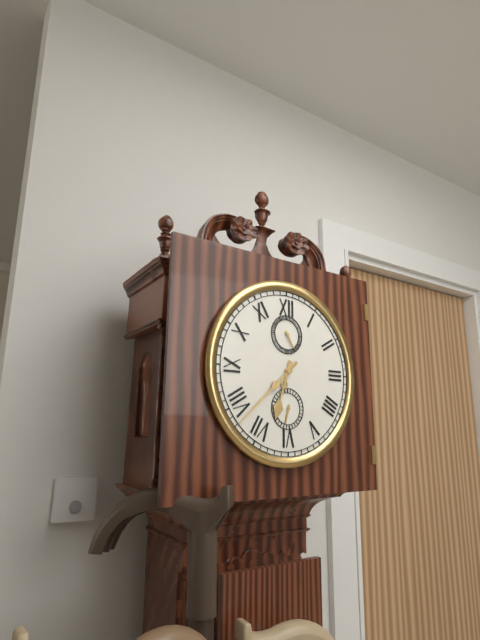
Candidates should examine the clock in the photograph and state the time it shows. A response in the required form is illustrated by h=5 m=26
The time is h=6 m=38
